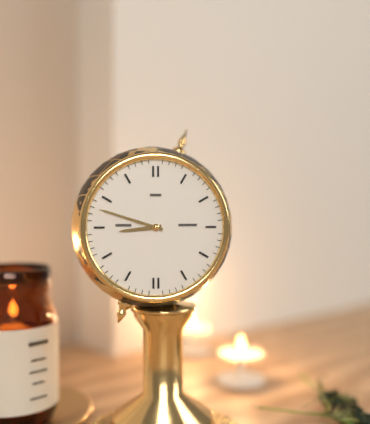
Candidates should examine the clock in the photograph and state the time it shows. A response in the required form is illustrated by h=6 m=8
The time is h=8 m=48
